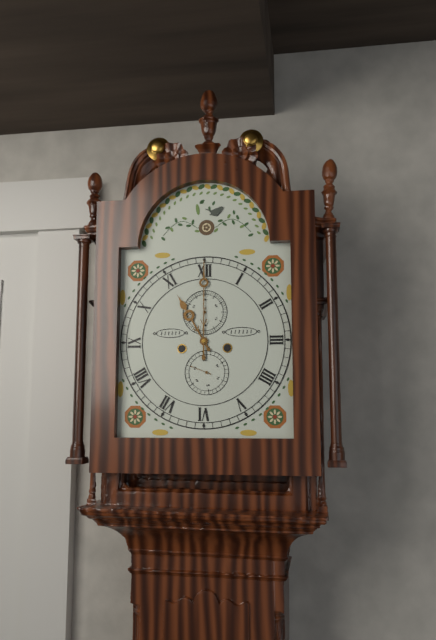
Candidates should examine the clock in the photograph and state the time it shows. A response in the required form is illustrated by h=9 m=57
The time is h=11 m=0
